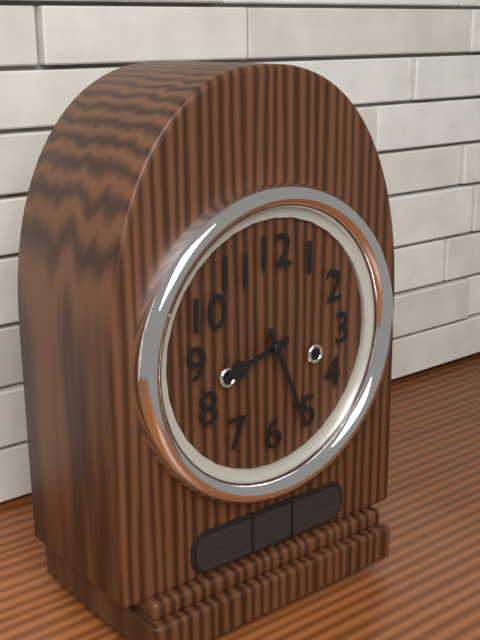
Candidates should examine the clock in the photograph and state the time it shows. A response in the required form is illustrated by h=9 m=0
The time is h=8 m=26
